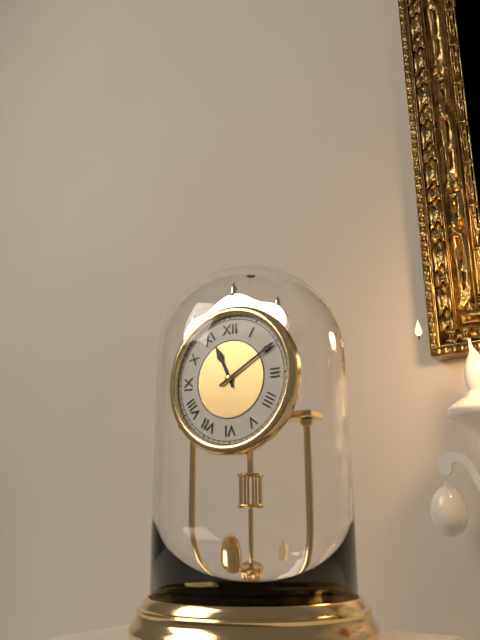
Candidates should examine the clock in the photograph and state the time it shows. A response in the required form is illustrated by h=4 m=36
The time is h=11 m=10
